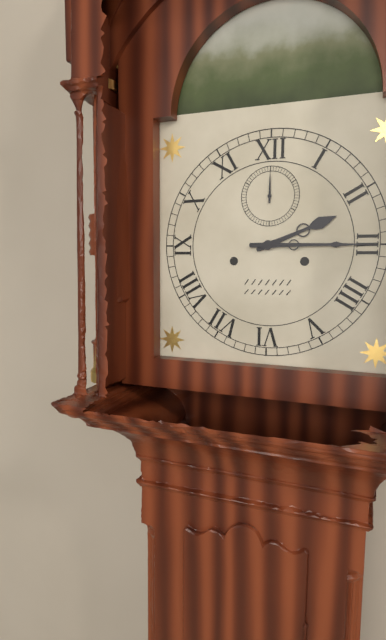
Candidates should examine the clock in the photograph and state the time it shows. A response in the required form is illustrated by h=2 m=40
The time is h=2 m=15
